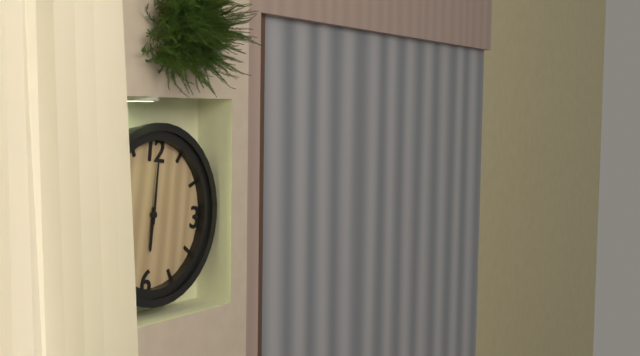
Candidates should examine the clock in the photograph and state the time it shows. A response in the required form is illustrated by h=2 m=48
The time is h=6 m=0
